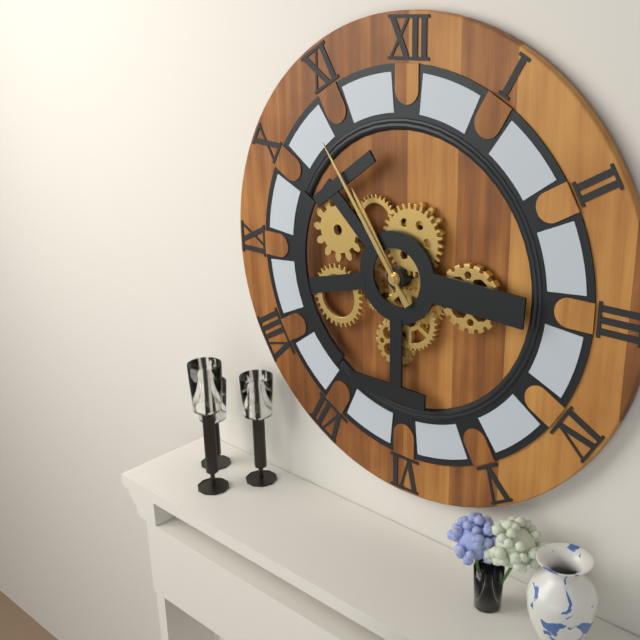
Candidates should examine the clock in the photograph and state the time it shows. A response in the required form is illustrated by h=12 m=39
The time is h=10 m=54
